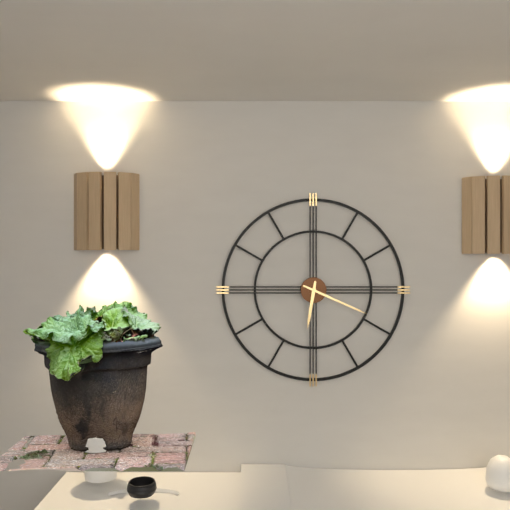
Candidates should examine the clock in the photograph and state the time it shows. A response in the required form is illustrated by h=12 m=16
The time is h=6 m=19
